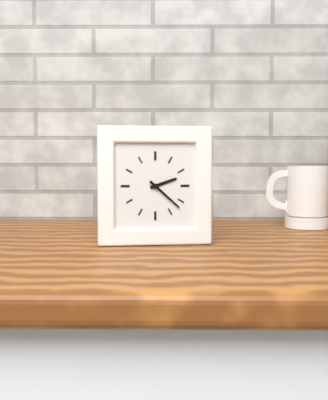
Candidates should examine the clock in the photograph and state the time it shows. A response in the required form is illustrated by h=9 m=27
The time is h=2 m=22
